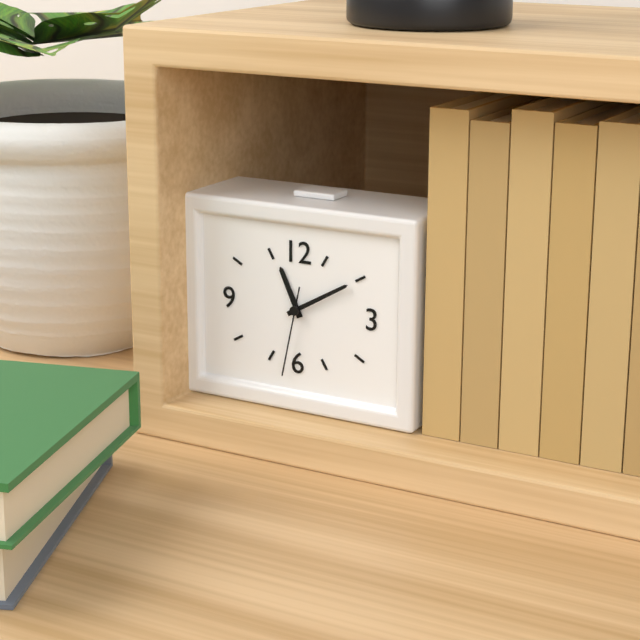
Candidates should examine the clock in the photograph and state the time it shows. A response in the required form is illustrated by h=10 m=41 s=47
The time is h=11 m=10 s=32
